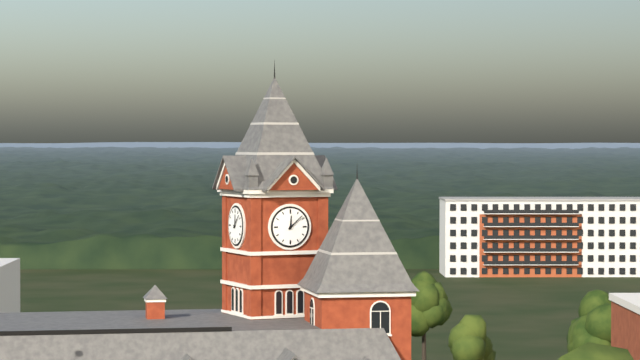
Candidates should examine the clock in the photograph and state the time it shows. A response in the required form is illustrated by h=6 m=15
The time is h=12 m=8
